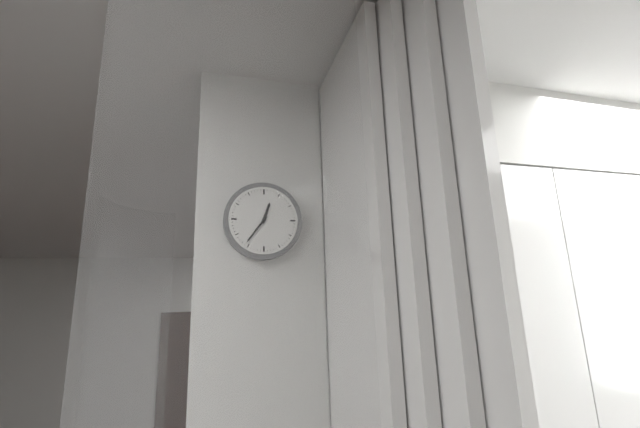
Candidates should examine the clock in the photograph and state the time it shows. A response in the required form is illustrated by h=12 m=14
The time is h=12 m=36
